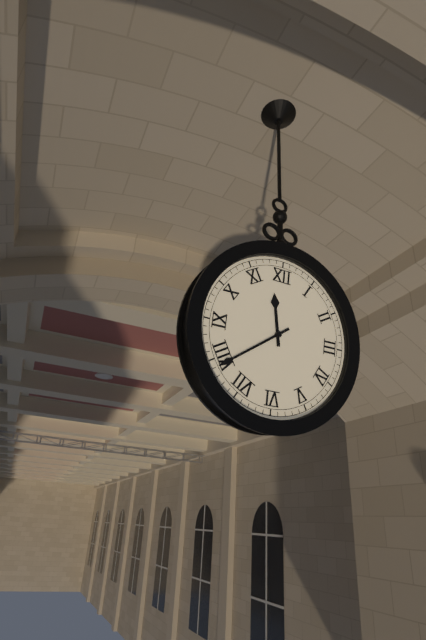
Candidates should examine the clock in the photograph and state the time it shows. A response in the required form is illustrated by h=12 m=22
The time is h=11 m=39
